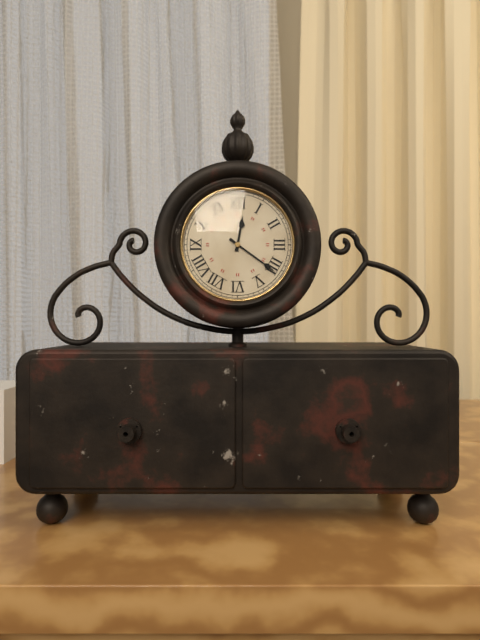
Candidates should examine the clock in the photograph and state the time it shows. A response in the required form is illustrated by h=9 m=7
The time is h=12 m=21
